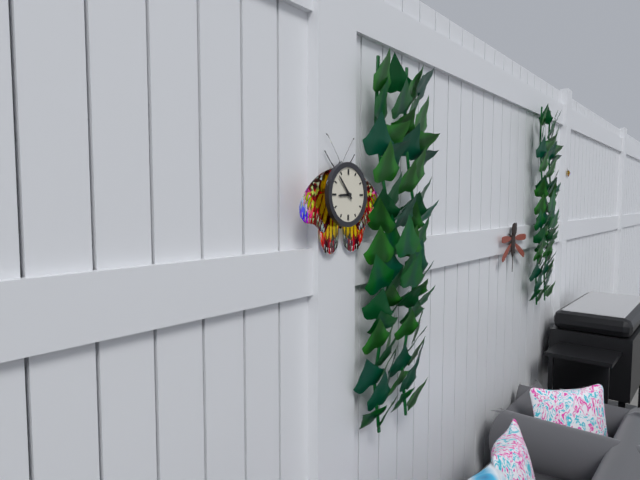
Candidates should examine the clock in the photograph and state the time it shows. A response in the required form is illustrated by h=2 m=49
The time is h=8 m=53
